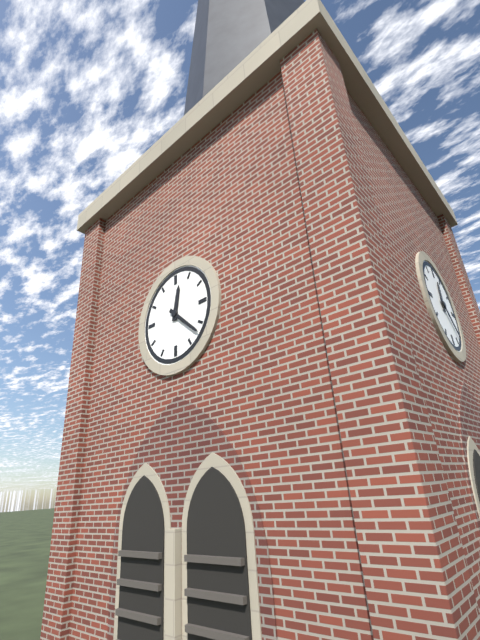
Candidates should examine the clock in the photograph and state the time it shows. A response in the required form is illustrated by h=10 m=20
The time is h=12 m=22
